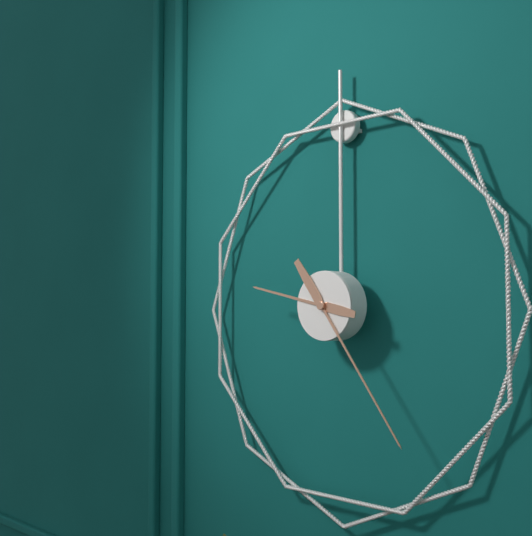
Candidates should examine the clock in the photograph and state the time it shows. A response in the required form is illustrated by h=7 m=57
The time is h=9 m=24
